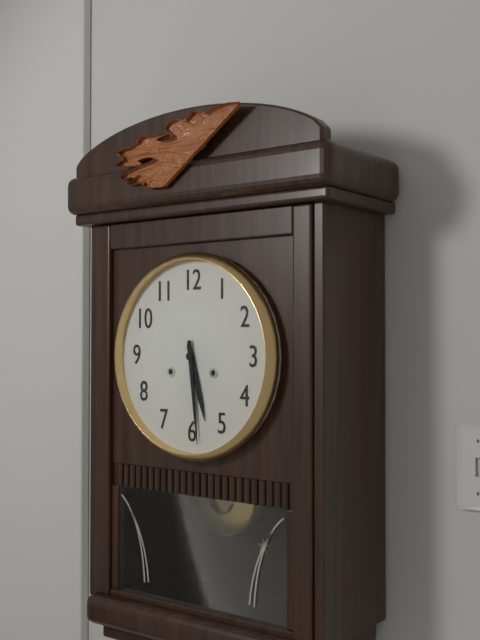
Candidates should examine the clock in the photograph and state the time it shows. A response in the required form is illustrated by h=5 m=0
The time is h=5 m=29
